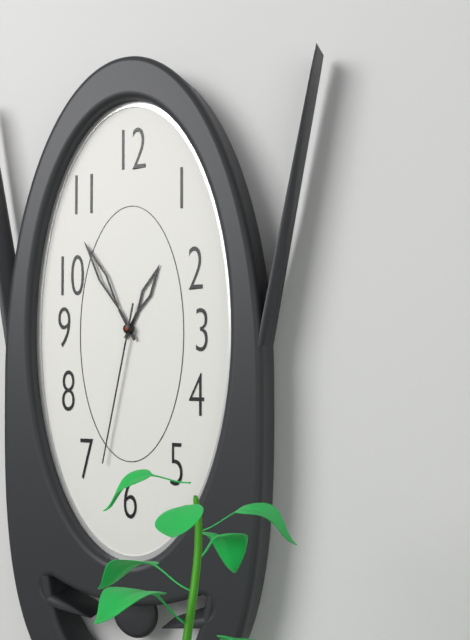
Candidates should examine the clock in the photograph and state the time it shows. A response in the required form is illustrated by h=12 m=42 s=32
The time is h=12 m=55 s=32
